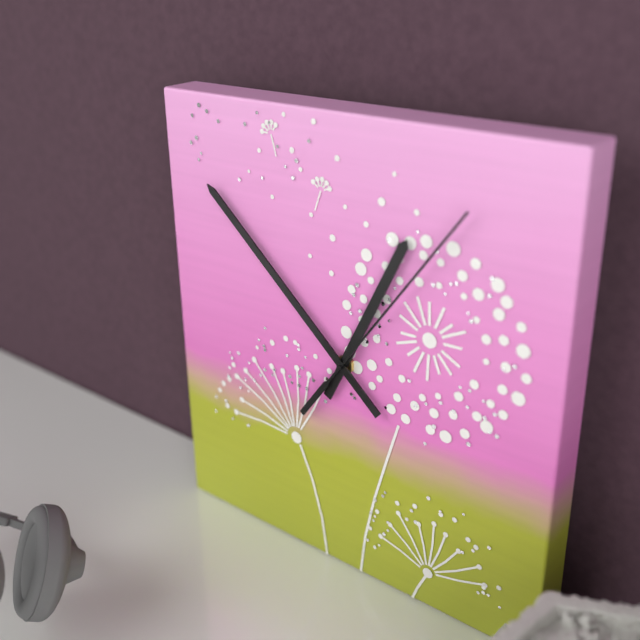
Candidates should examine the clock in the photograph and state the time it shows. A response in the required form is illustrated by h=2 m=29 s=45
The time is h=12 m=52 s=6
